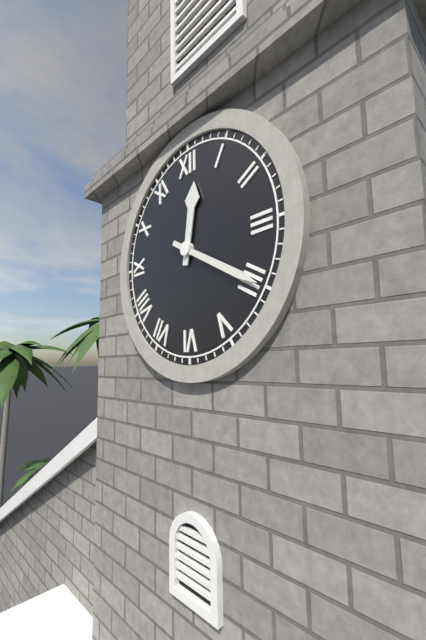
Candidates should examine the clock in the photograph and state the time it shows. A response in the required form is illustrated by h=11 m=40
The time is h=12 m=20
